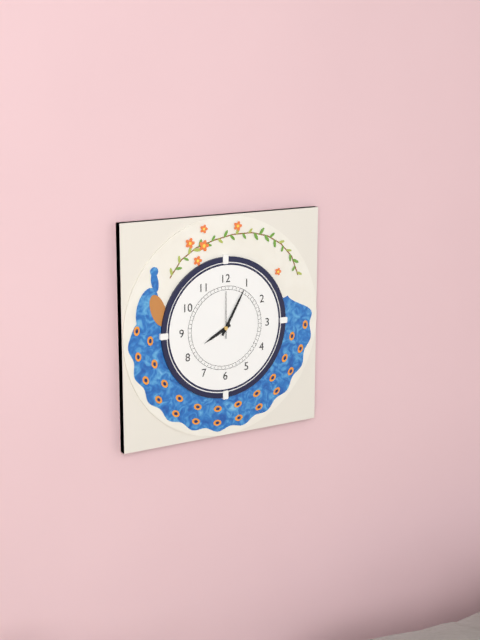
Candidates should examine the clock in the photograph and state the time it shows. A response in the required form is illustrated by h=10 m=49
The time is h=8 m=5
